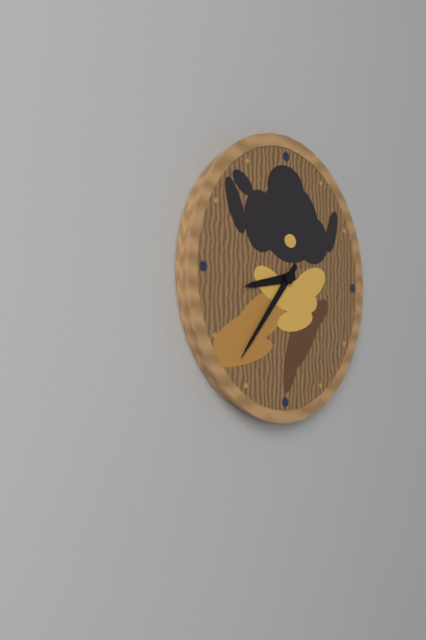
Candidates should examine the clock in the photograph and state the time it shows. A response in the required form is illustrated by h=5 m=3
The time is h=8 m=37
